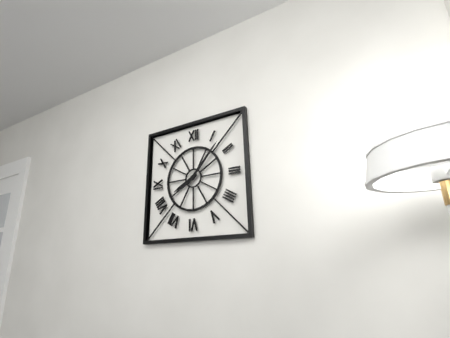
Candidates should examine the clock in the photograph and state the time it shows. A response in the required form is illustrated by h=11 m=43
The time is h=8 m=7
